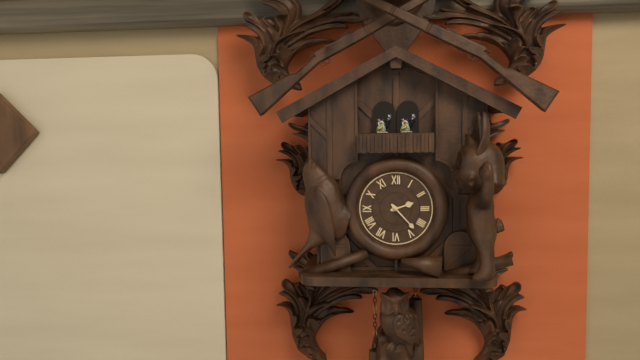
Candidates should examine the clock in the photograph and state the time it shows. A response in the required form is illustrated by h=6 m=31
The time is h=2 m=23
